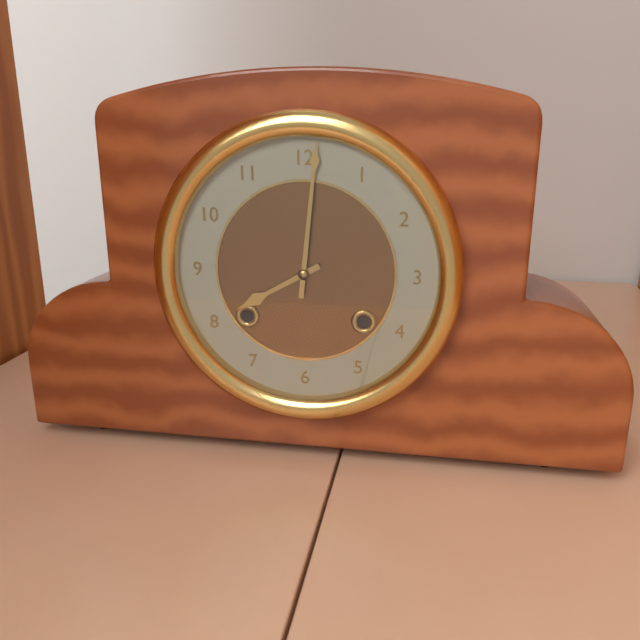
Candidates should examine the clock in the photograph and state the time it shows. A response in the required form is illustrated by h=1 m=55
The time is h=8 m=1
